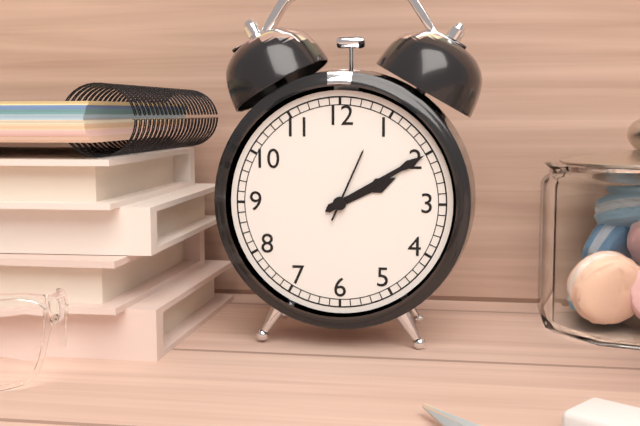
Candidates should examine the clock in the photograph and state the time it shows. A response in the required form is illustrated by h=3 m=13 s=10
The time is h=2 m=10 s=4
